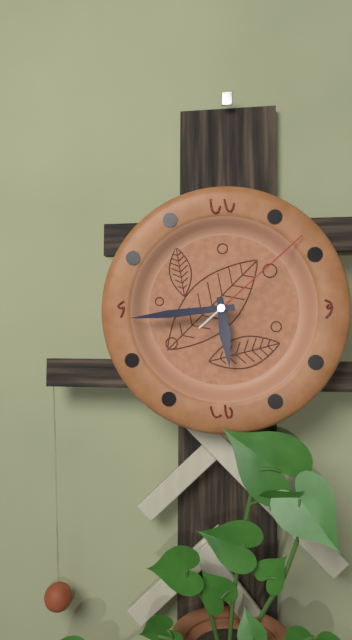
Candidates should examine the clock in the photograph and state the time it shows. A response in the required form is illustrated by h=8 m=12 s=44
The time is h=5 m=44 s=8
